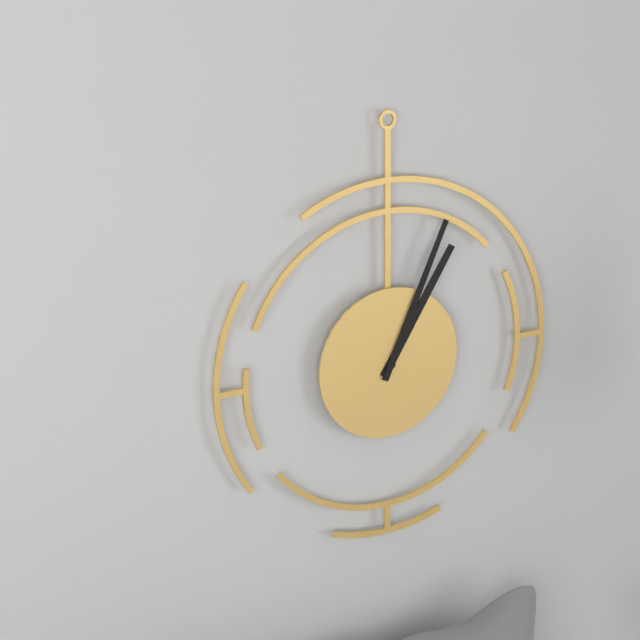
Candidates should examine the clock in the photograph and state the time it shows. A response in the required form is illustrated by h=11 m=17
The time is h=1 m=4
